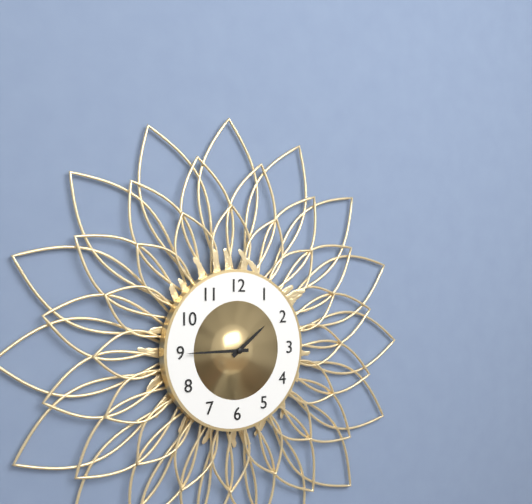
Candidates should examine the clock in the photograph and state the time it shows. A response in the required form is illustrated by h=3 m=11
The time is h=1 m=45
